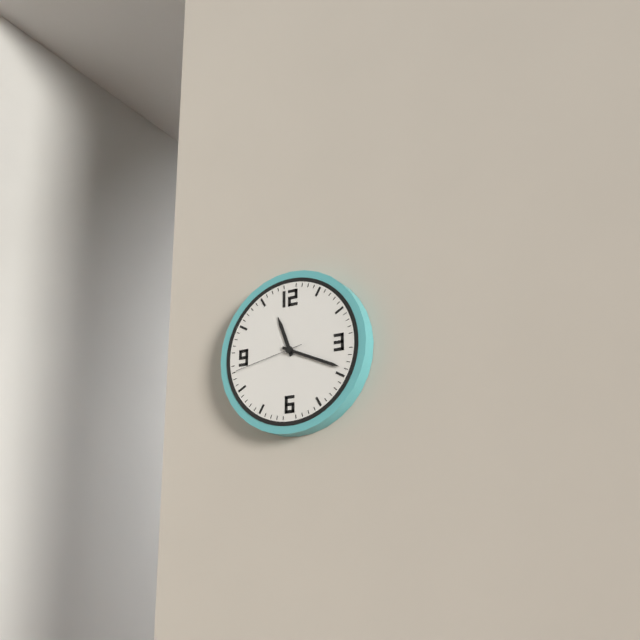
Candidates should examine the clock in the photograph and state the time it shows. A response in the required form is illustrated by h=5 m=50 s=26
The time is h=11 m=19 s=43
